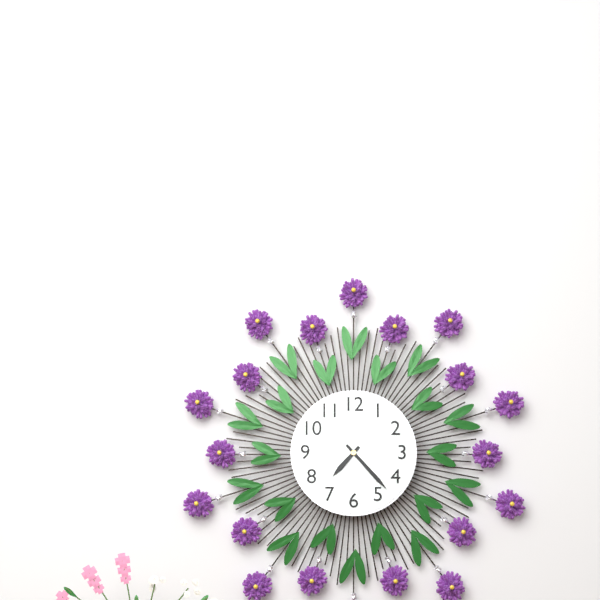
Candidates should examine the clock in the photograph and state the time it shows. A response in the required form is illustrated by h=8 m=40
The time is h=7 m=23
